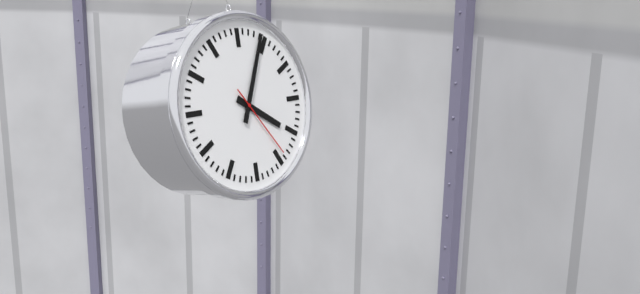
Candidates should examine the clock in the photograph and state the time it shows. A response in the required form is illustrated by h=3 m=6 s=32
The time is h=4 m=4 s=24
